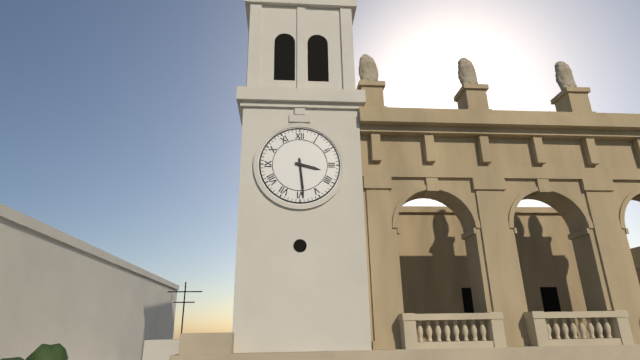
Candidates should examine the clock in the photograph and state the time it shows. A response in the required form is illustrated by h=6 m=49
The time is h=3 m=29
